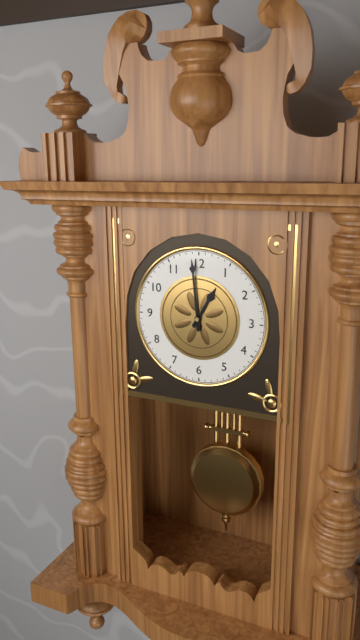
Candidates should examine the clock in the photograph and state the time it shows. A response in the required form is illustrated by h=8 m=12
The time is h=12 m=59
